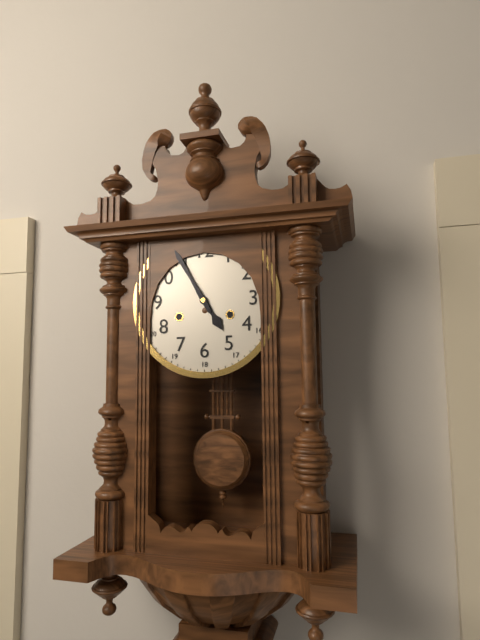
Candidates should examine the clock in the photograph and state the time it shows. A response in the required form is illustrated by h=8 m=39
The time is h=4 m=55
